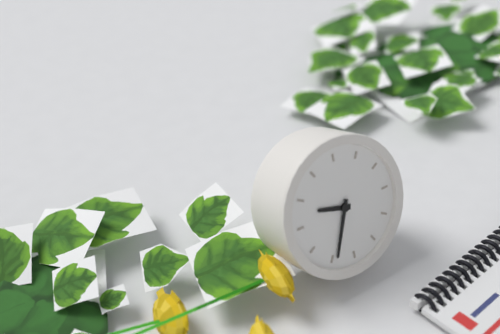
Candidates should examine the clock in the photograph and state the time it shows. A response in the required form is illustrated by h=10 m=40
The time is h=9 m=34
